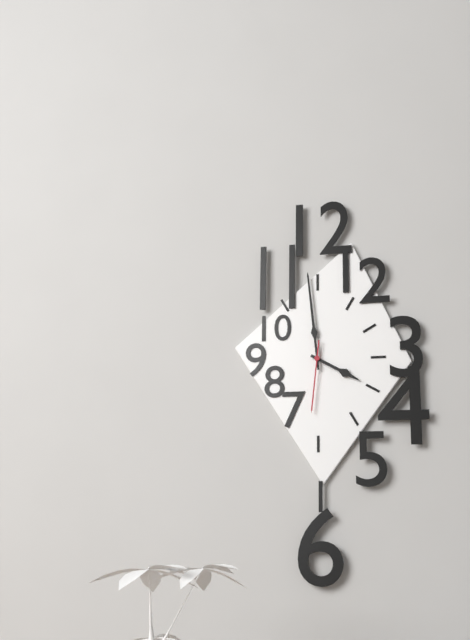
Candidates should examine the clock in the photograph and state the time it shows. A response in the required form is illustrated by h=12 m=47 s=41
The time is h=3 m=59 s=31
